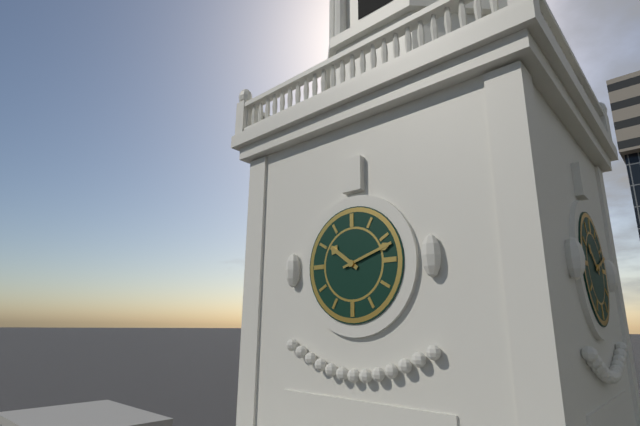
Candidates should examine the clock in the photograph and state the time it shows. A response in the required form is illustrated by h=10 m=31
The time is h=10 m=12
